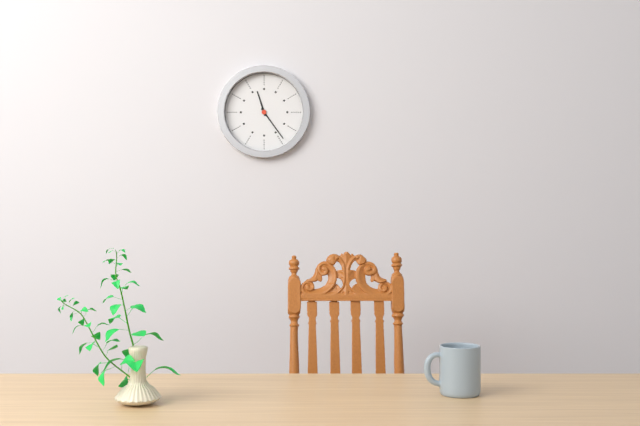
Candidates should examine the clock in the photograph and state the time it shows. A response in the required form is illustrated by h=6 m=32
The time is h=11 m=24
